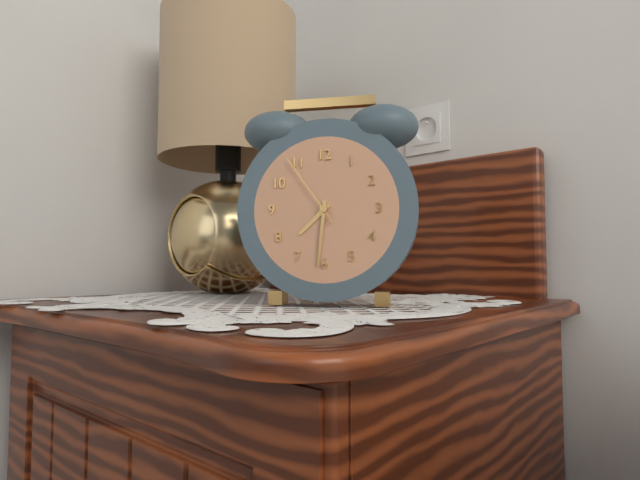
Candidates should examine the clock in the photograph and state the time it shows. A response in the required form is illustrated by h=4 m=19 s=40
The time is h=7 m=31 s=54
